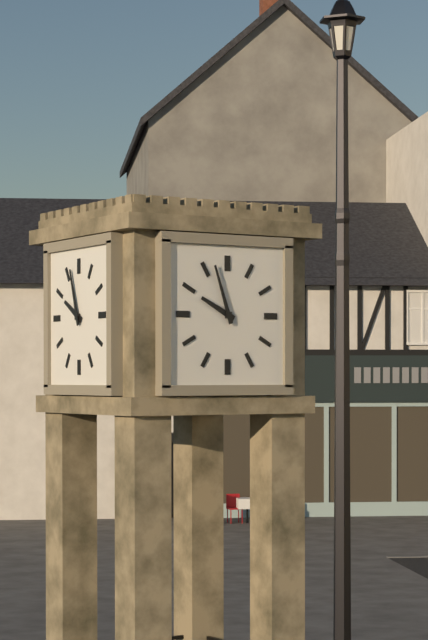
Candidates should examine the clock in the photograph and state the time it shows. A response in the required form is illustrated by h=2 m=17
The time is h=9 m=57
